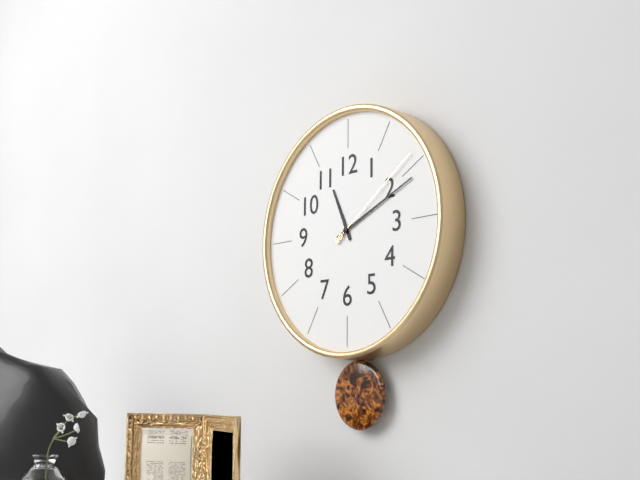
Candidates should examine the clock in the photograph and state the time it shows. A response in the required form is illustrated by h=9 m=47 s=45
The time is h=11 m=11 s=9
